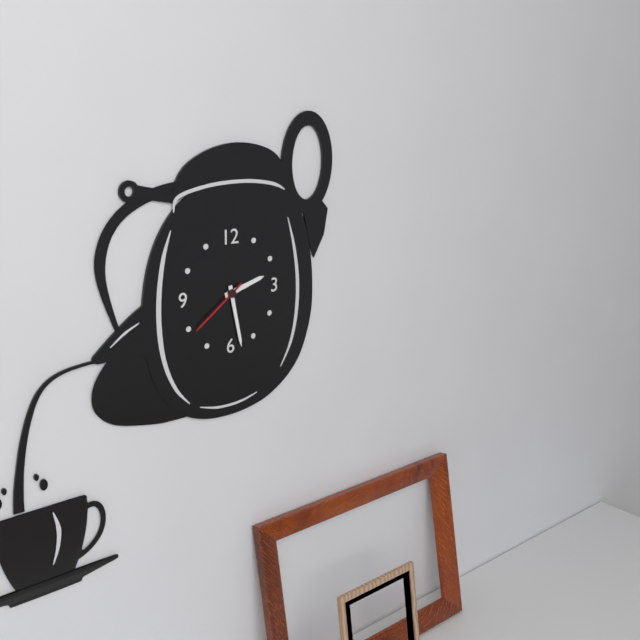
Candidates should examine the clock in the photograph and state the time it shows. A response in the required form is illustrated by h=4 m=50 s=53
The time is h=2 m=28 s=39
